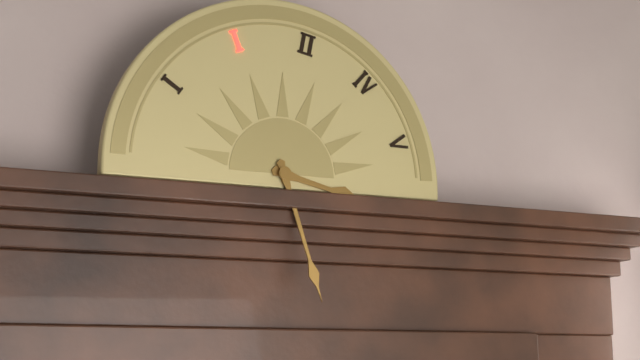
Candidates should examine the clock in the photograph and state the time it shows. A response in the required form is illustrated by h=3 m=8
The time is h=3 m=27
